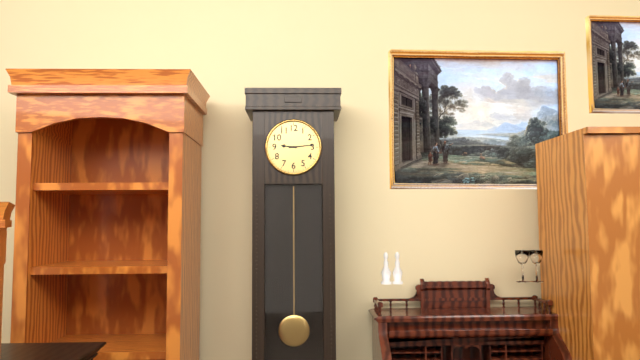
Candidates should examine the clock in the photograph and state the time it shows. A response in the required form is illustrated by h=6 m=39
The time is h=9 m=14
